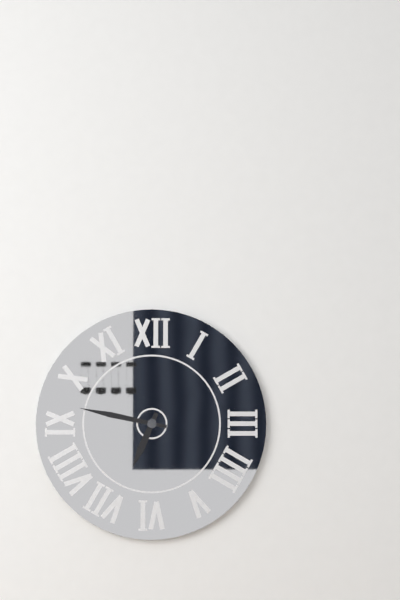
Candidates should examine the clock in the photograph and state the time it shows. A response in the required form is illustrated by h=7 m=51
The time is h=6 m=47
